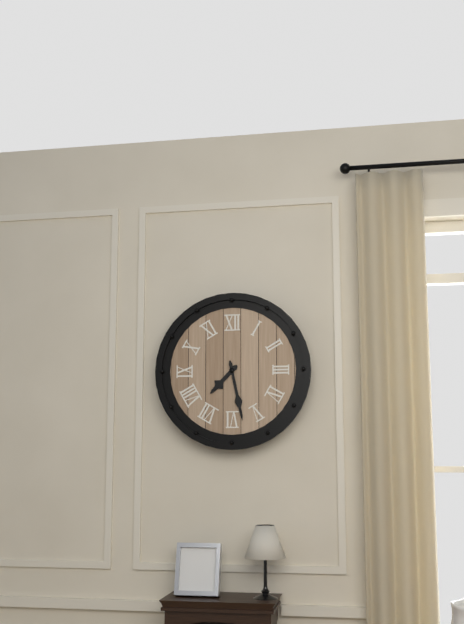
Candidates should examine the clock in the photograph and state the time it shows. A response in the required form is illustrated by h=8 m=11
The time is h=7 m=28
